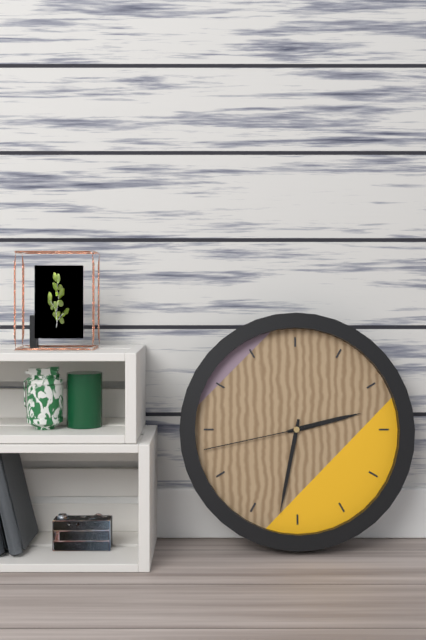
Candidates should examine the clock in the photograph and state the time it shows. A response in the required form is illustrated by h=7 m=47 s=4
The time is h=2 m=32 s=43
